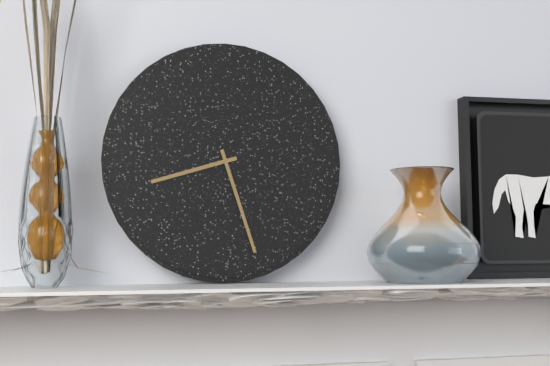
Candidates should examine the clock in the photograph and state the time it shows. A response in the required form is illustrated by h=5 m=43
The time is h=8 m=27
